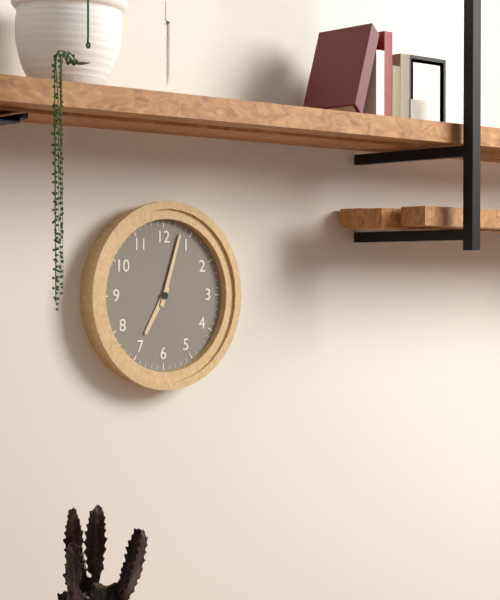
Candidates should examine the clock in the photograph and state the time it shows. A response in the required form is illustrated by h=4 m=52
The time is h=7 m=3
